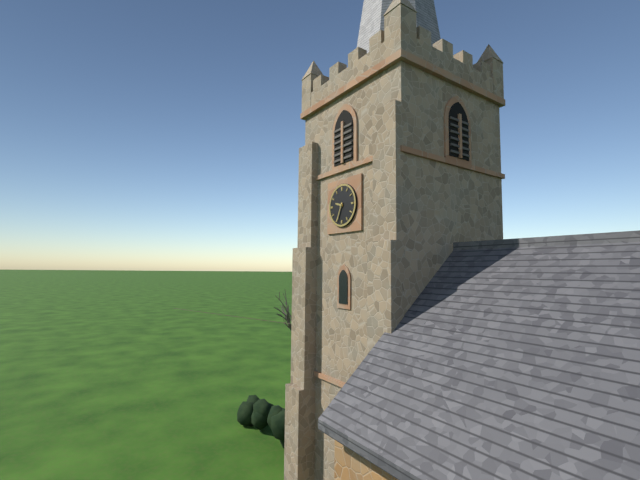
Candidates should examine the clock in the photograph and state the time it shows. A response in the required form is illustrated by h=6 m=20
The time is h=9 m=34
